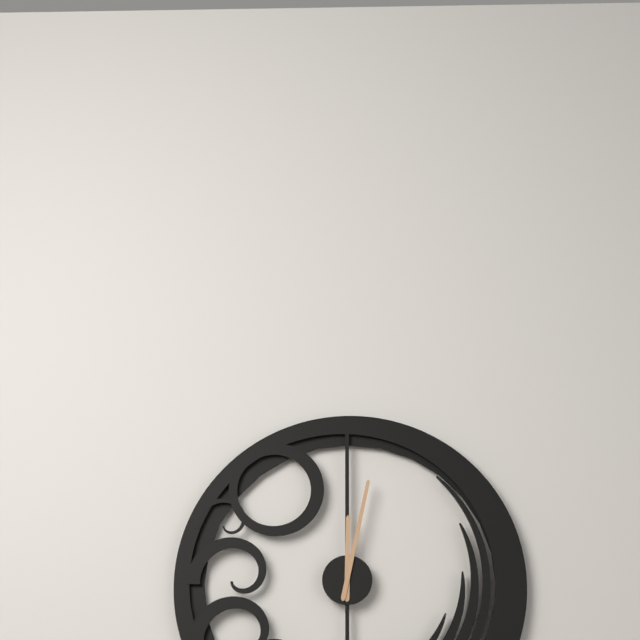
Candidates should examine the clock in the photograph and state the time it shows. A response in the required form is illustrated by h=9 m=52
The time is h=12 m=2
